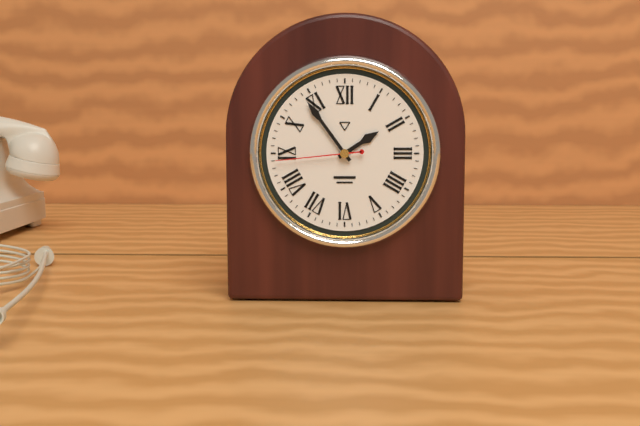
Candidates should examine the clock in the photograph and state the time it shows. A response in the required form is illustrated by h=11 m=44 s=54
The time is h=1 m=54 s=44
